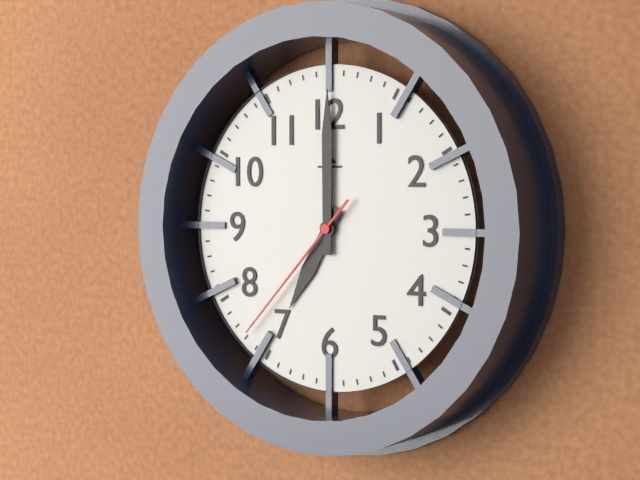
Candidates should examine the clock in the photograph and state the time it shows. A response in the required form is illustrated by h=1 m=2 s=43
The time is h=7 m=0 s=37
